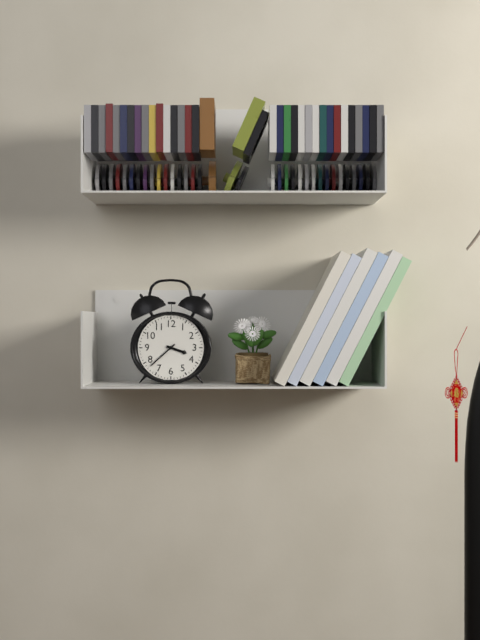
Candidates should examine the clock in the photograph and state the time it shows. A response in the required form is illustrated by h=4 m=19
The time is h=3 m=38
